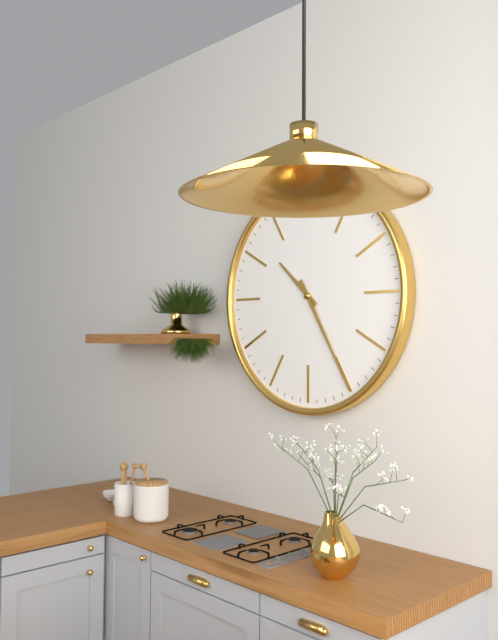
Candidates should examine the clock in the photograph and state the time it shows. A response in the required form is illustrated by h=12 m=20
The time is h=10 m=25
